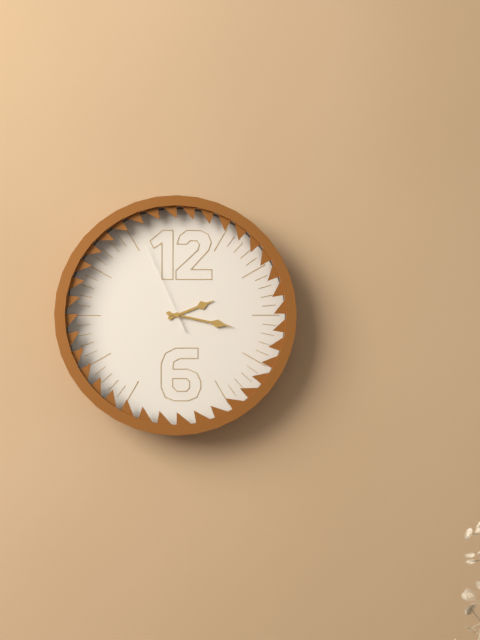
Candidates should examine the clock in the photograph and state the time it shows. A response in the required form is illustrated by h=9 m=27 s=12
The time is h=2 m=17 s=56
